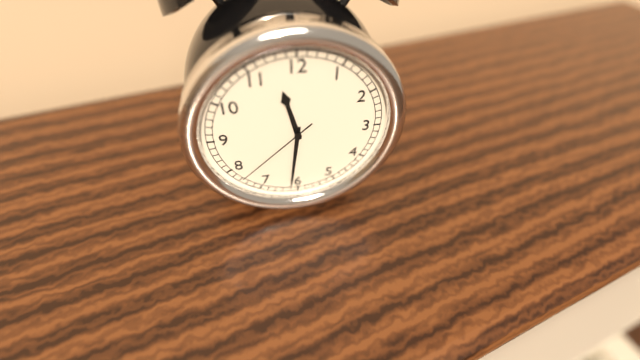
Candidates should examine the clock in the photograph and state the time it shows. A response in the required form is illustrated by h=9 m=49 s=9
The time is h=11 m=31 s=38
